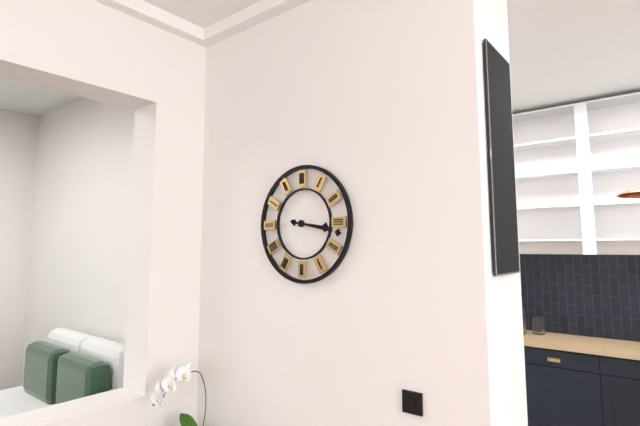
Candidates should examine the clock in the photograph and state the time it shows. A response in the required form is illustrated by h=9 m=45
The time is h=3 m=17
